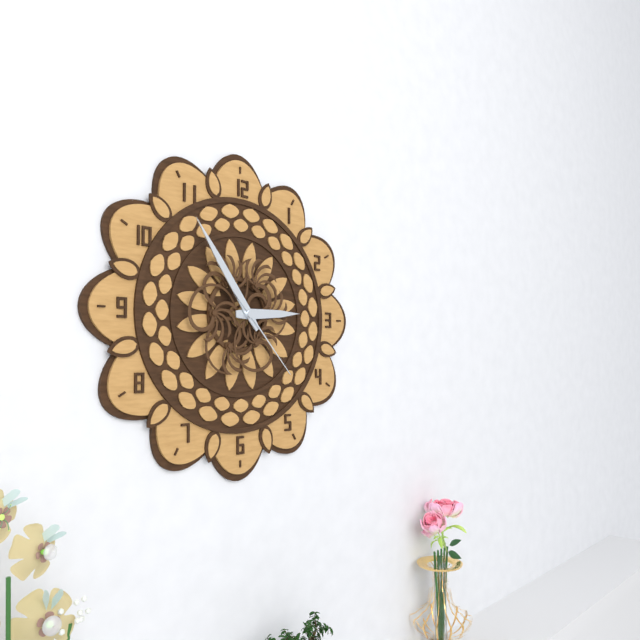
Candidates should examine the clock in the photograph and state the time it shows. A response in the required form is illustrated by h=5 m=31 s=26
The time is h=2 m=54 s=23
